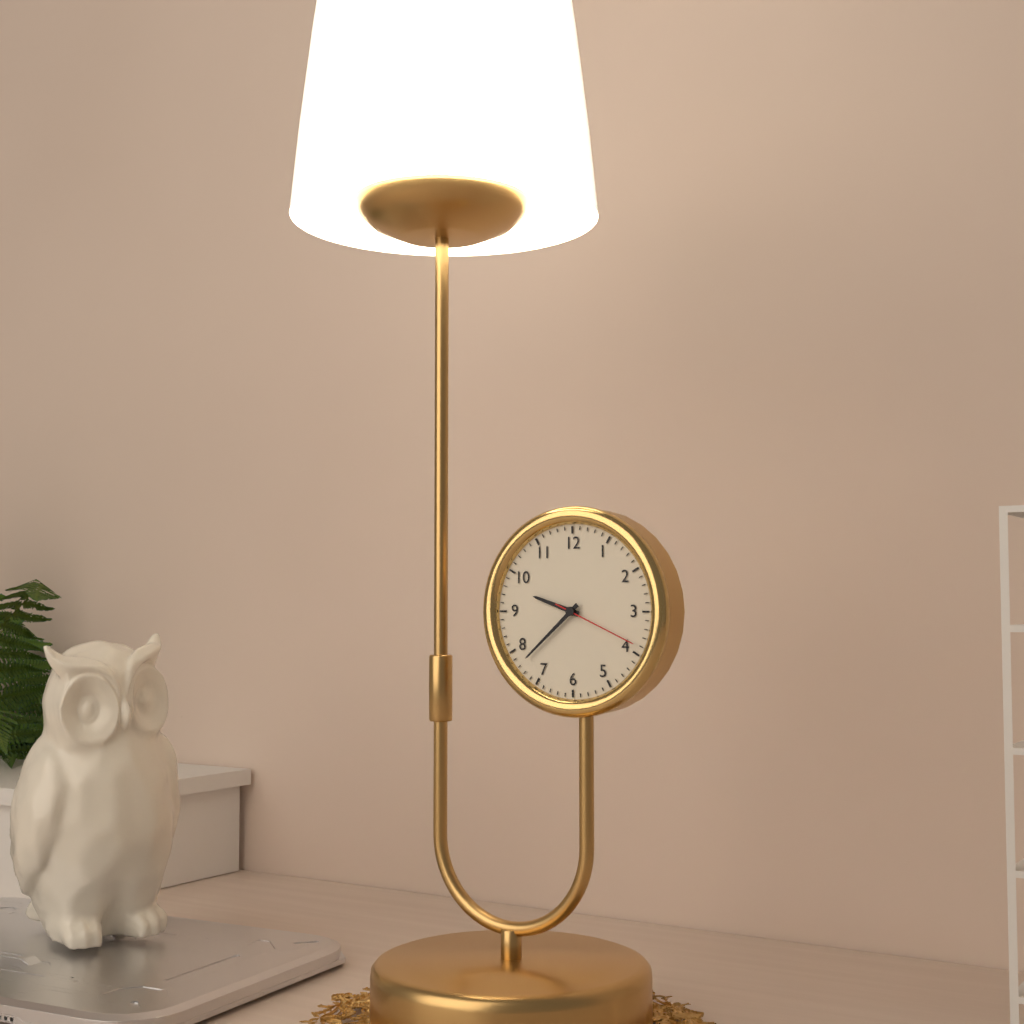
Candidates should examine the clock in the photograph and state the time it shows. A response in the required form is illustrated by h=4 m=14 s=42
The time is h=9 m=38 s=19
